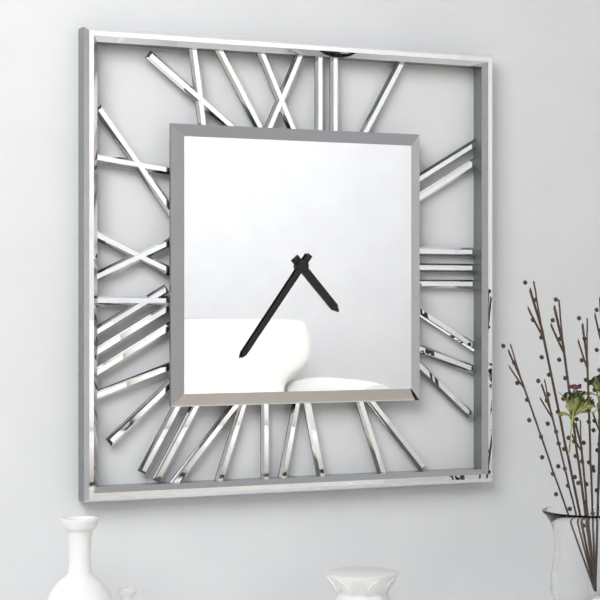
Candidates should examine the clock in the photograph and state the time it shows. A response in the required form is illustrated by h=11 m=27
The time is h=4 m=36
